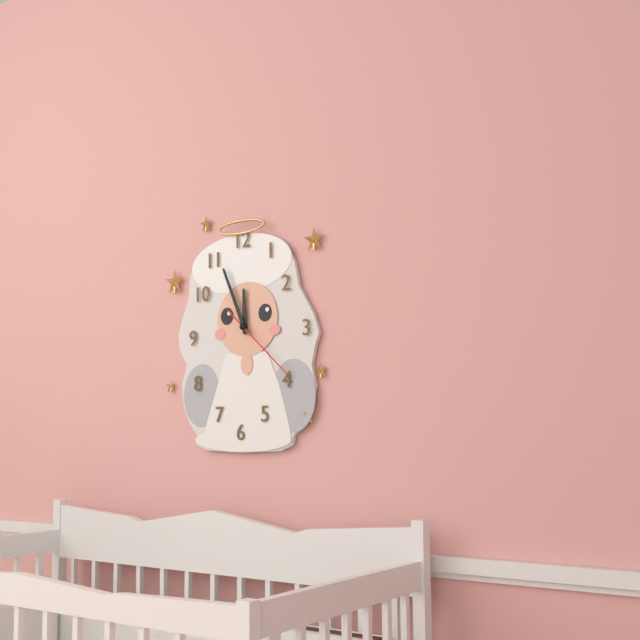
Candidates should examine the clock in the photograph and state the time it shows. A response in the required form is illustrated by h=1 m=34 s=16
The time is h=11 m=56 s=22
